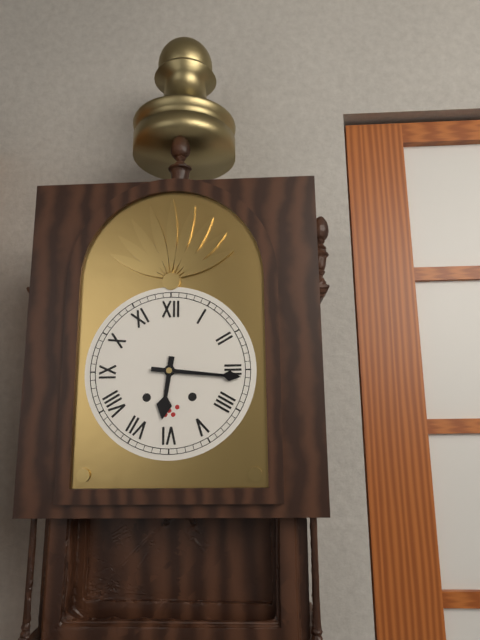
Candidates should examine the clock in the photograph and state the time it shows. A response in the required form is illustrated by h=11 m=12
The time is h=6 m=16
